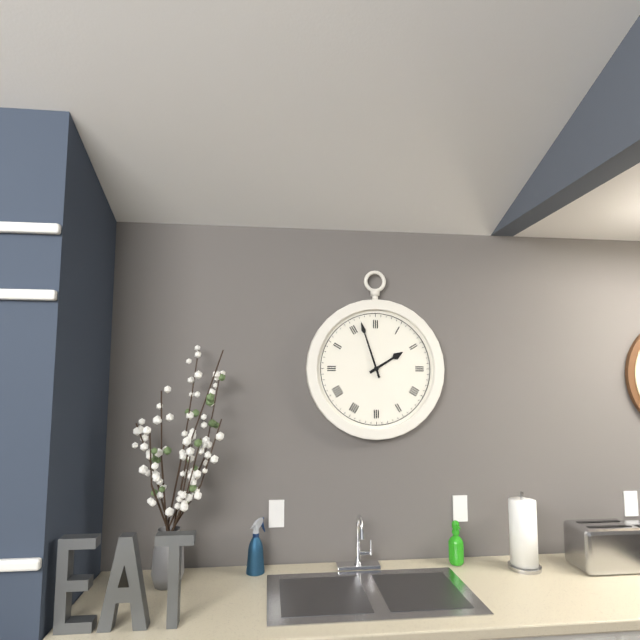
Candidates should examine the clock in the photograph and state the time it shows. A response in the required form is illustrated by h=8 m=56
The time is h=1 m=57
